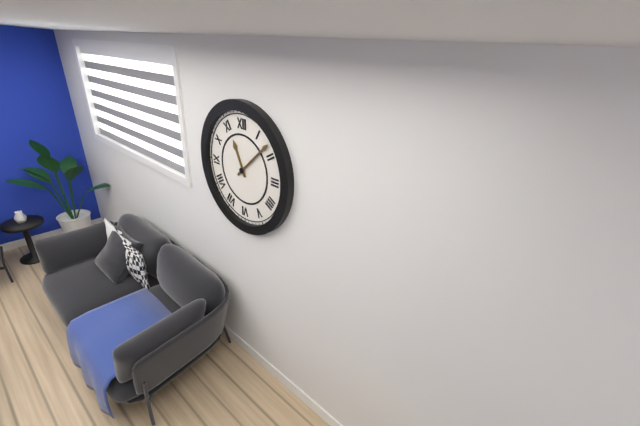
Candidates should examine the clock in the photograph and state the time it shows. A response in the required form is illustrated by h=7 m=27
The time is h=11 m=8
